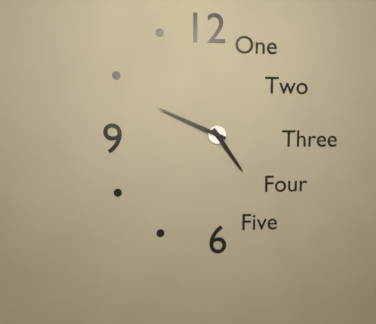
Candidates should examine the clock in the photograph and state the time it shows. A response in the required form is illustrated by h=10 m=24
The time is h=4 m=49
